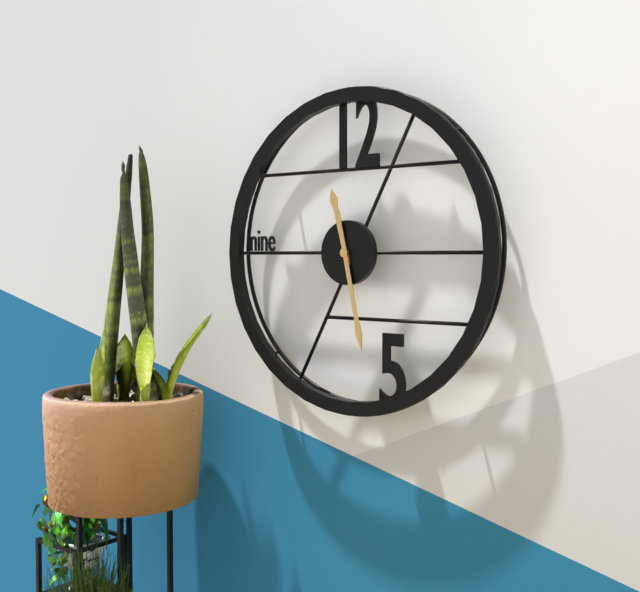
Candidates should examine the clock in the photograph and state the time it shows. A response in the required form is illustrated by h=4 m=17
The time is h=11 m=28
